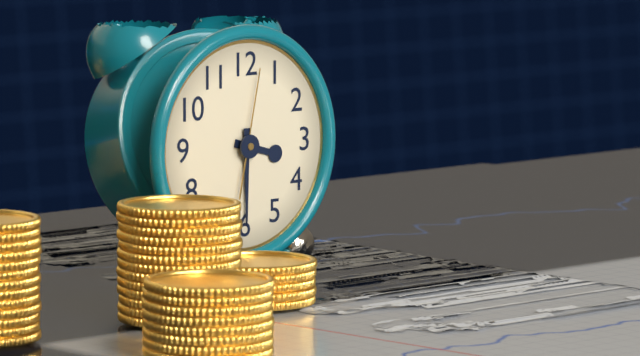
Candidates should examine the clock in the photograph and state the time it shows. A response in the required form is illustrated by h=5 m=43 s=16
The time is h=3 m=30 s=2
